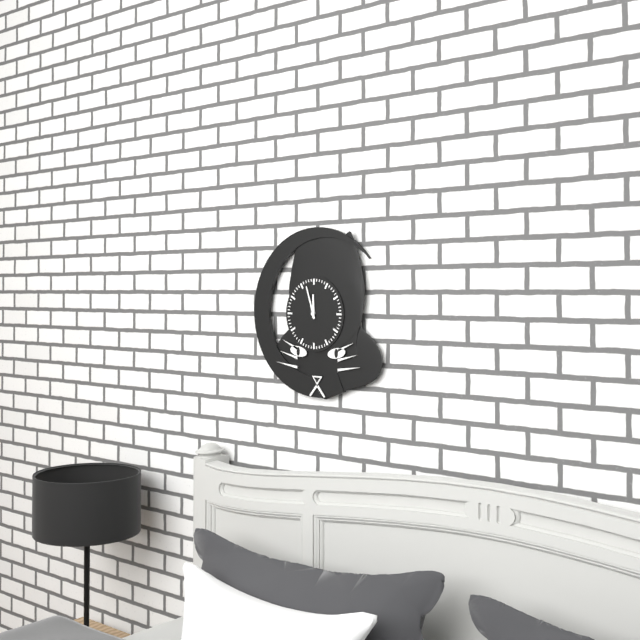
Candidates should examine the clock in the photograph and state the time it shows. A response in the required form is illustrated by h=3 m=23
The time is h=11 m=57
